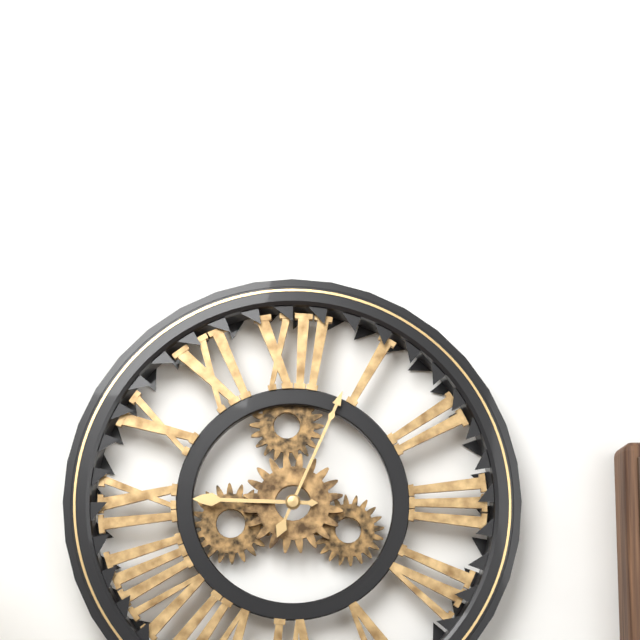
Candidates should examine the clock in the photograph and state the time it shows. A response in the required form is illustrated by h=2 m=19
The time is h=9 m=4
